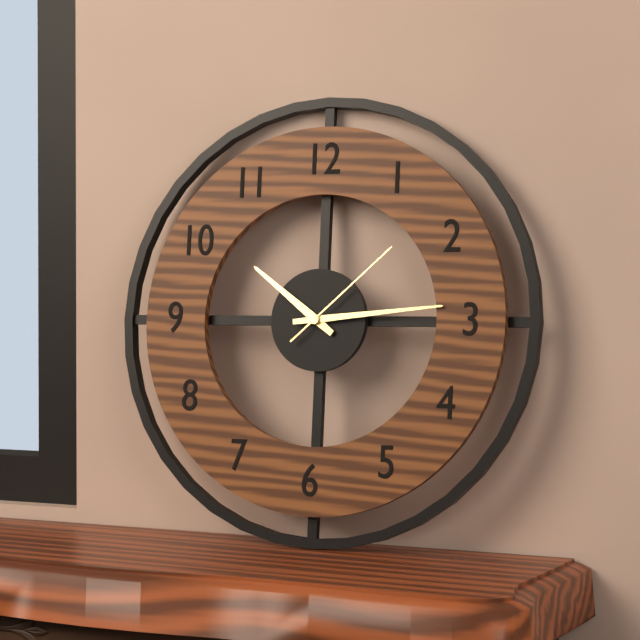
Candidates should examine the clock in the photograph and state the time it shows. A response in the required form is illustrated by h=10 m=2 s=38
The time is h=10 m=14 s=8
